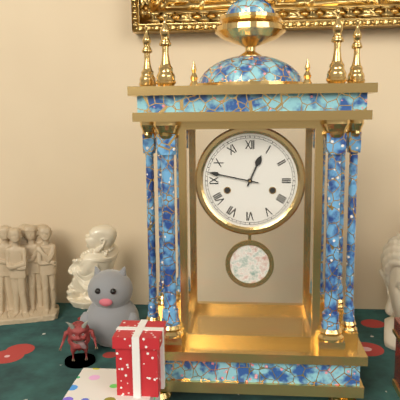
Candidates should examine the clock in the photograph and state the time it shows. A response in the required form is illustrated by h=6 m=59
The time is h=12 m=47
